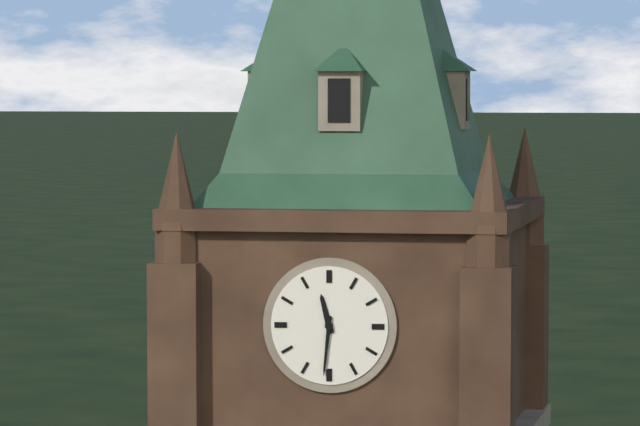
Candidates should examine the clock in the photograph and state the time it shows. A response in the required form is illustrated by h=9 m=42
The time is h=11 m=31
